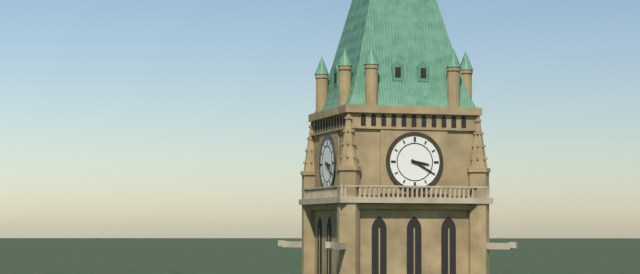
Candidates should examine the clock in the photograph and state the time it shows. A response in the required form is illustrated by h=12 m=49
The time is h=3 m=20
